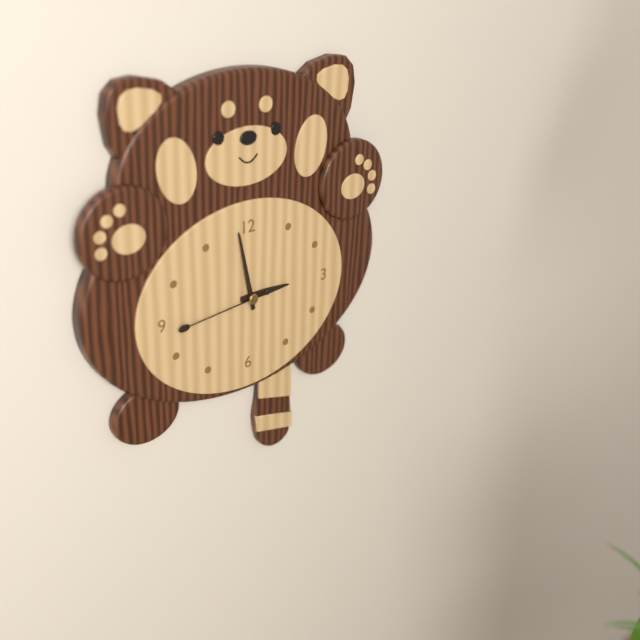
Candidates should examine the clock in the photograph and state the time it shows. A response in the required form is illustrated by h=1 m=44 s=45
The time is h=2 m=58 s=44
